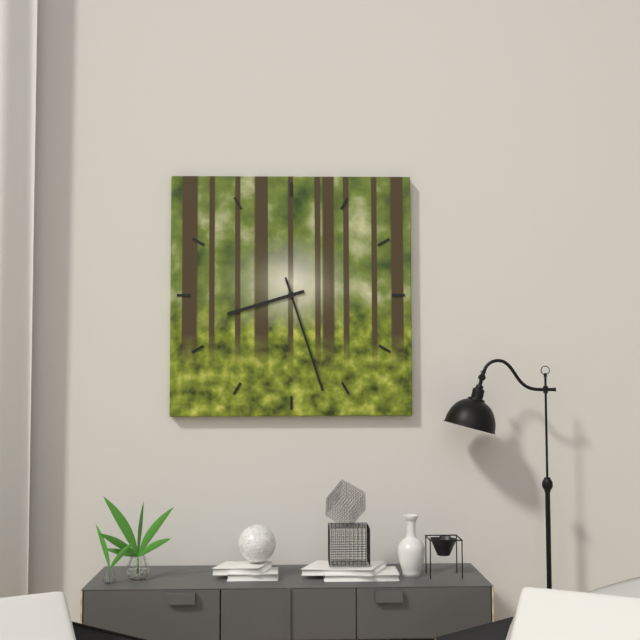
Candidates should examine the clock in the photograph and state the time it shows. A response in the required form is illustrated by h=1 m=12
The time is h=8 m=27
